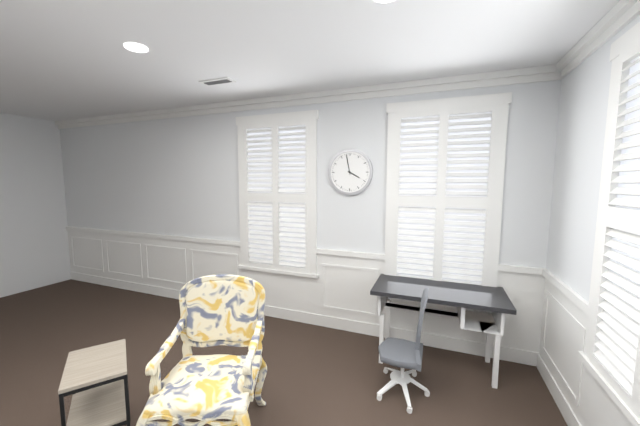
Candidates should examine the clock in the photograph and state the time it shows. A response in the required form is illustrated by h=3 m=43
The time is h=3 m=58
